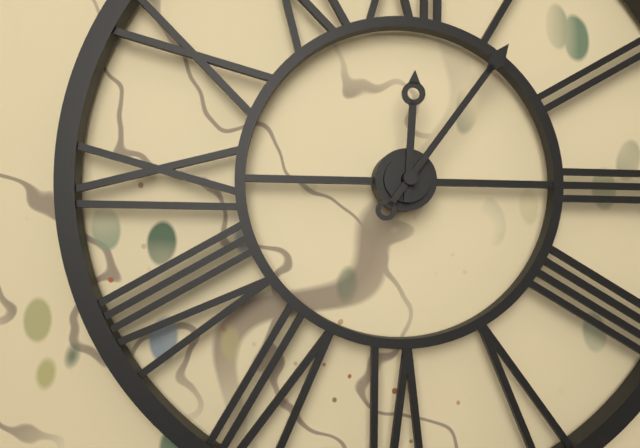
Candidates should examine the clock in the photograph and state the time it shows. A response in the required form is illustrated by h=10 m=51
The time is h=12 m=6
